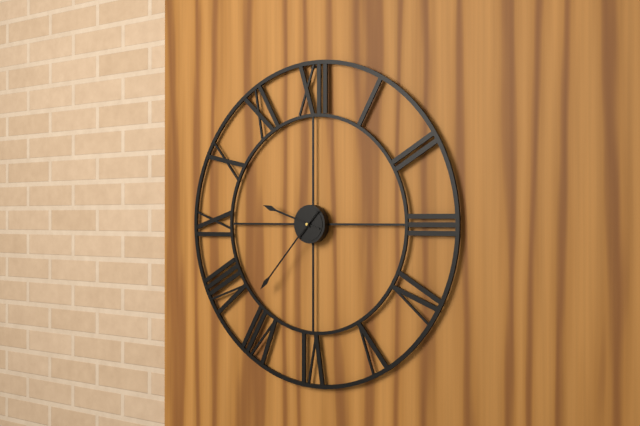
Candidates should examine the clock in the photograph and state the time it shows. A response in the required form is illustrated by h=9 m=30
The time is h=9 m=37
